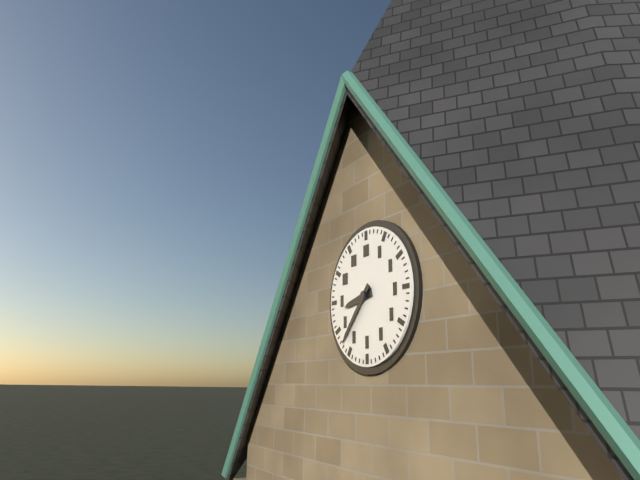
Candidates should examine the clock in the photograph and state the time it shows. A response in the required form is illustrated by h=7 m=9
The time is h=8 m=37
